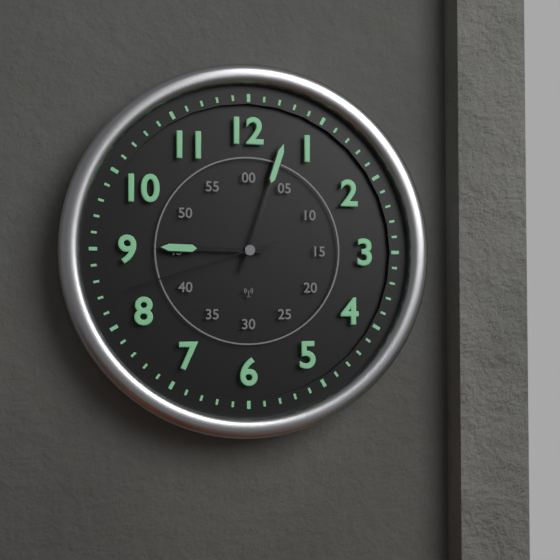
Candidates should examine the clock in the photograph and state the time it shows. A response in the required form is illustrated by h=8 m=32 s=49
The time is h=9 m=3 s=42
